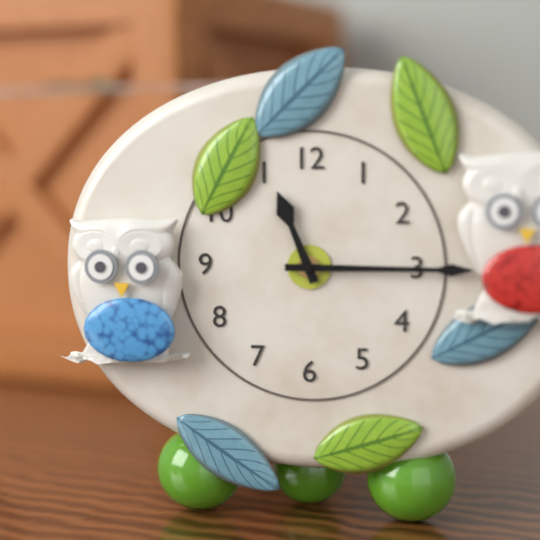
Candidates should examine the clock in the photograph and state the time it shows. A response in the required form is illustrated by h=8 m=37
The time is h=11 m=15
